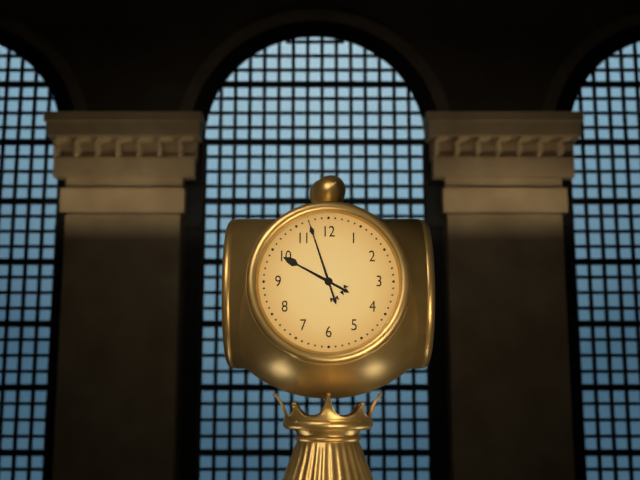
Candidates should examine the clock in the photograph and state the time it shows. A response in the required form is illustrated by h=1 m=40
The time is h=9 m=57
